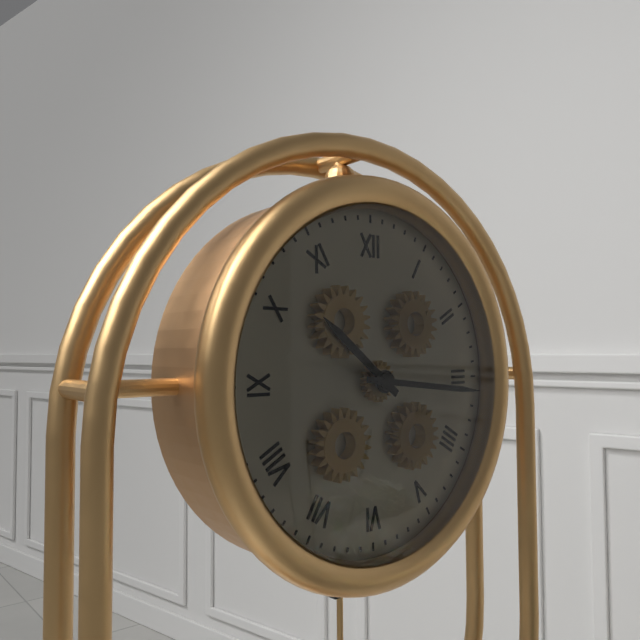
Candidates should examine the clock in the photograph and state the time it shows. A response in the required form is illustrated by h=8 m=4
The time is h=10 m=16
